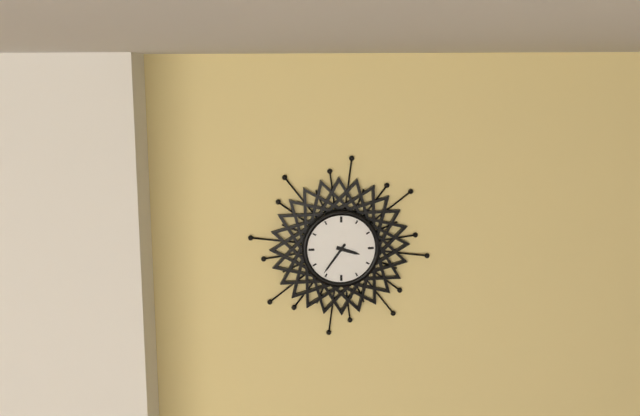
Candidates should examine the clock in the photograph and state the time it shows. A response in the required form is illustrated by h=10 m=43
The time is h=3 m=36
